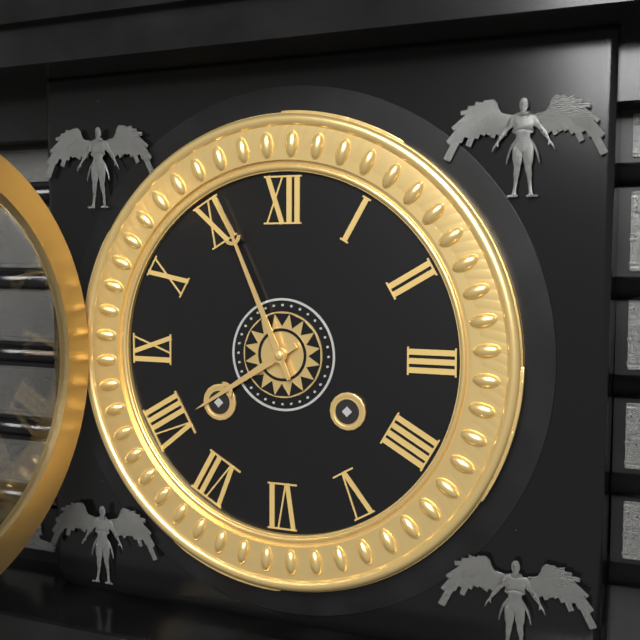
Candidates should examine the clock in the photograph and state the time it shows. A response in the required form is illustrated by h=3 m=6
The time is h=7 m=56
